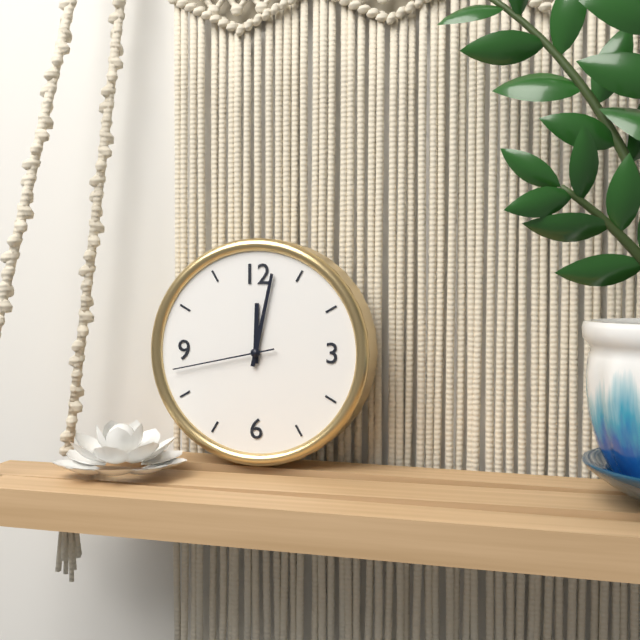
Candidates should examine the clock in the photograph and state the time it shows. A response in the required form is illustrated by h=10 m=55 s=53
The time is h=12 m=2 s=43
